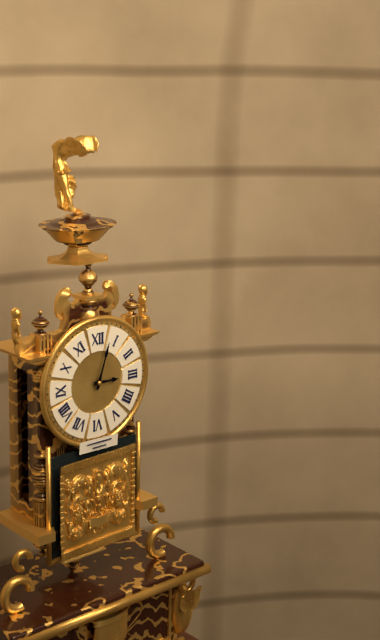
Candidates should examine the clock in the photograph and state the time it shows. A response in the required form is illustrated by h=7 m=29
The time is h=3 m=3
